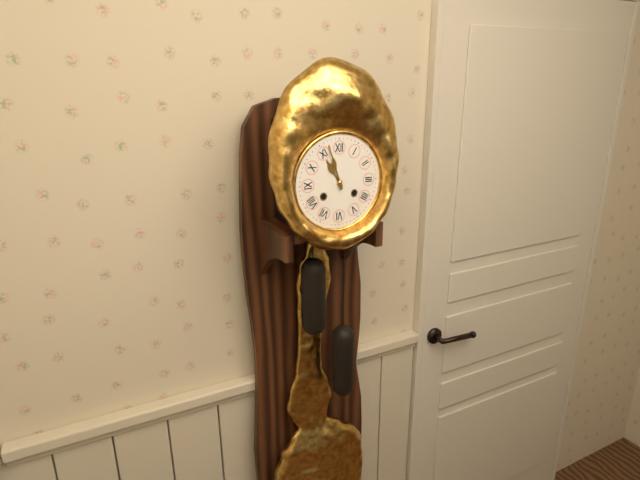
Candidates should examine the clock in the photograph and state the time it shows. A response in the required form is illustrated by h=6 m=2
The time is h=10 m=57
